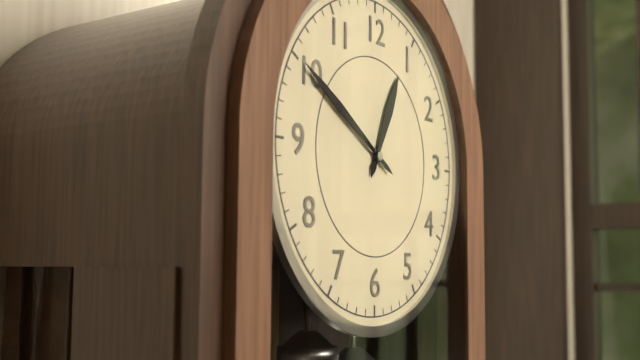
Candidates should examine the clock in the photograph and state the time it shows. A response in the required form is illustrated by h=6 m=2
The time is h=12 m=50
